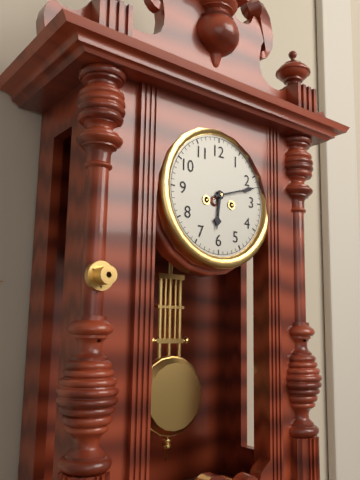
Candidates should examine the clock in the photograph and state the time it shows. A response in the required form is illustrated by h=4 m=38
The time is h=6 m=12
